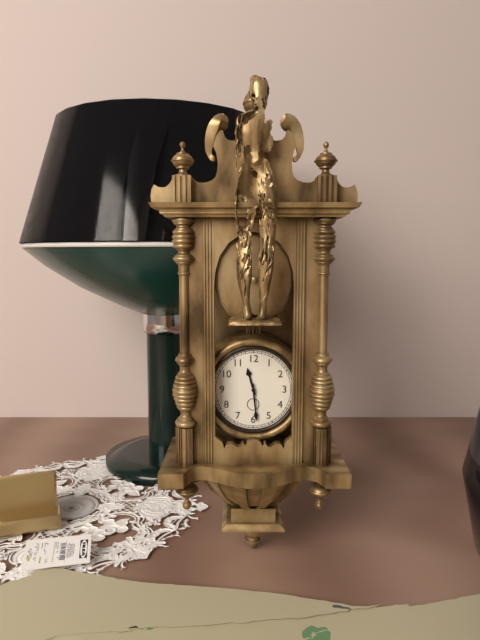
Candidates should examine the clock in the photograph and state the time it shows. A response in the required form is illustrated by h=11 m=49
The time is h=11 m=29
